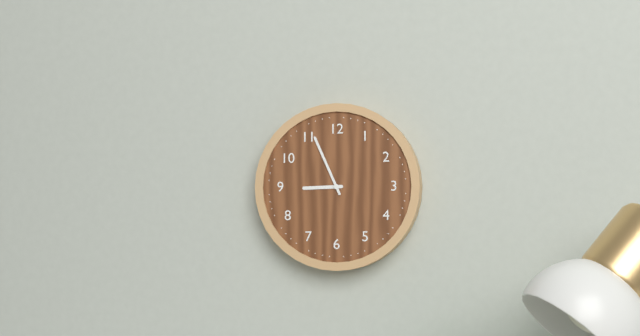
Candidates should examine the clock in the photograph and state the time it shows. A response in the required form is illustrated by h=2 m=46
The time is h=8 m=56
